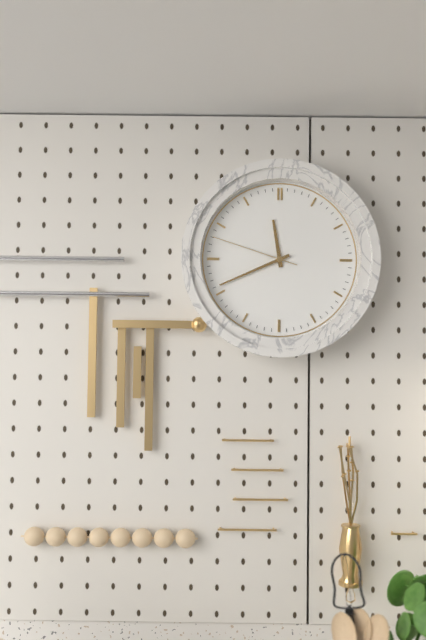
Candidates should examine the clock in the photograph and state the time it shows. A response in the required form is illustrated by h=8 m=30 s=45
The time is h=11 m=41 s=48
